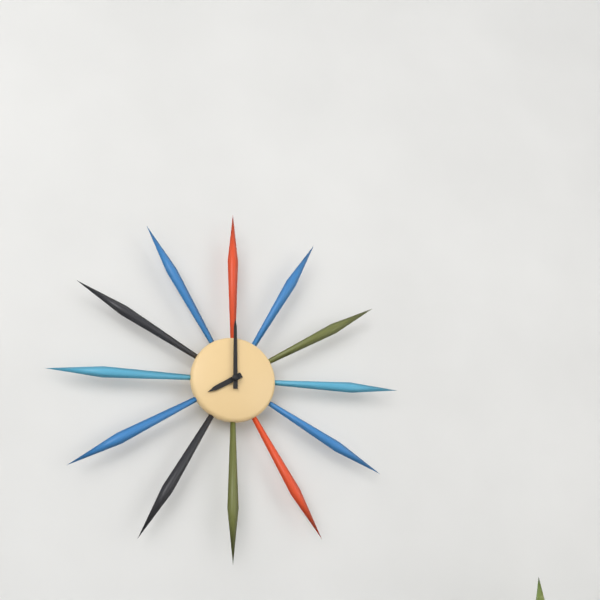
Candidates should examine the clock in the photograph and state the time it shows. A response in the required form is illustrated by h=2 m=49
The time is h=8 m=0
